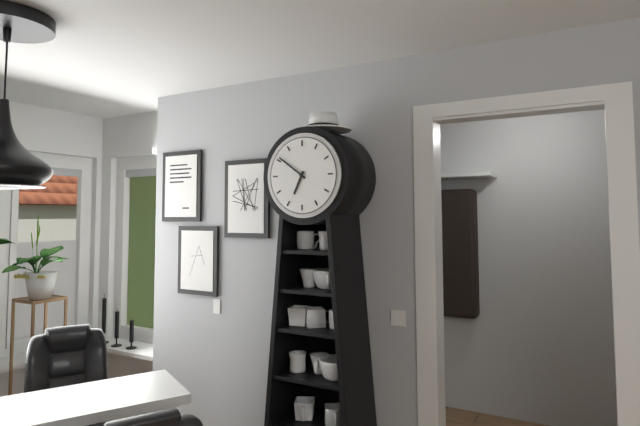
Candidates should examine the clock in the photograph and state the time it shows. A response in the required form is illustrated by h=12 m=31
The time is h=6 m=51
